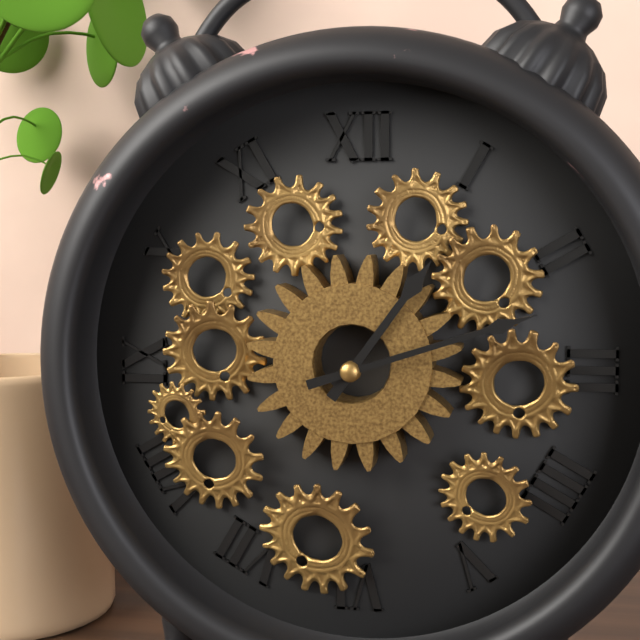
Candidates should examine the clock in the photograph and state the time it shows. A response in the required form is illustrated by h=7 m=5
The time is h=1 m=12
